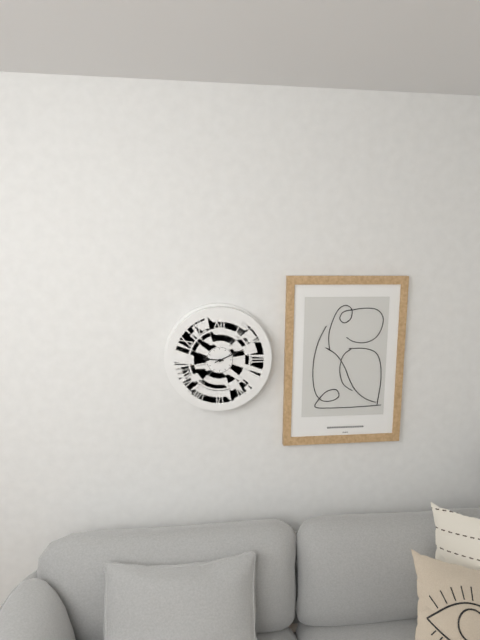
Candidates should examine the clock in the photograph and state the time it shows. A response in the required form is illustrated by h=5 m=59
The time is h=9 m=11
